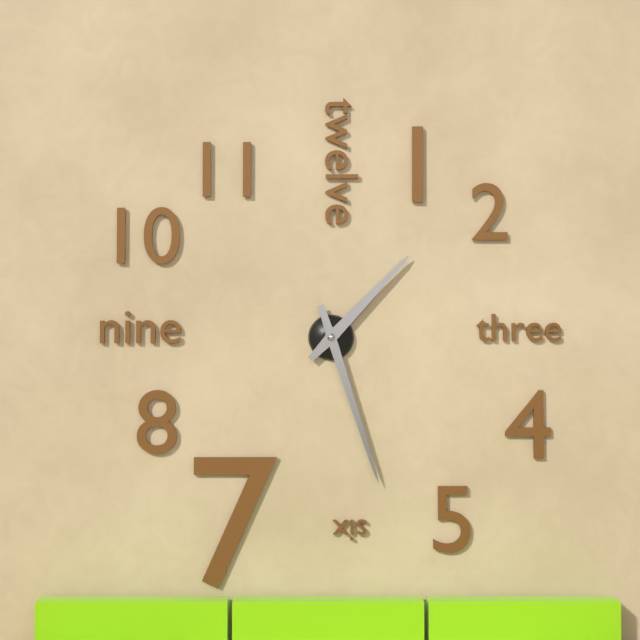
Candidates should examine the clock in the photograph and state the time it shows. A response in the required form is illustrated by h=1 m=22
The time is h=1 m=27
